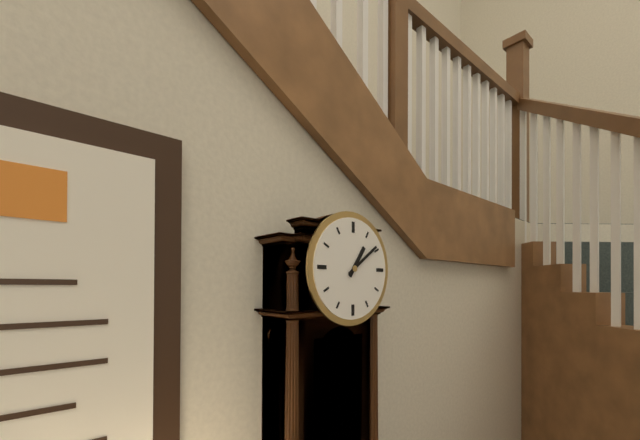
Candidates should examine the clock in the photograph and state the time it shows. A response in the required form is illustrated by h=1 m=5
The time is h=1 m=9
